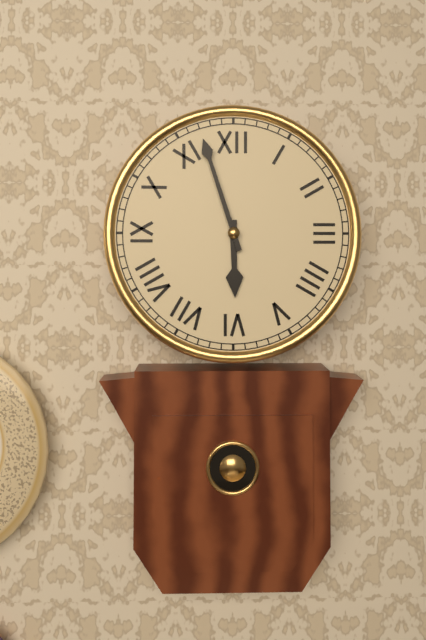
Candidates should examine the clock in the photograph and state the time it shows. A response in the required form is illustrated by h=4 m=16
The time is h=5 m=57
